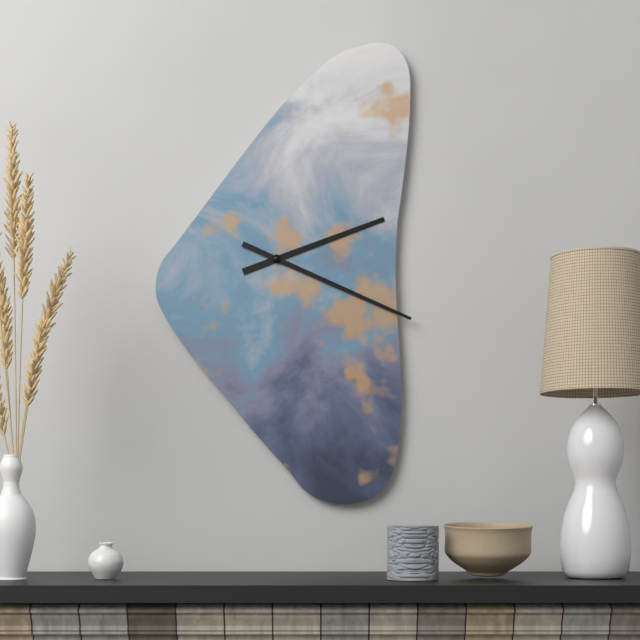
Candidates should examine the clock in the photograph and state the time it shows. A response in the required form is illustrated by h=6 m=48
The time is h=2 m=19
